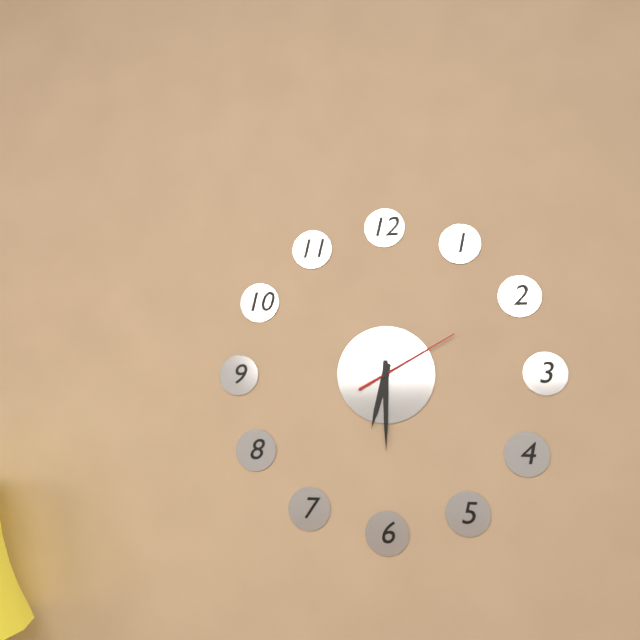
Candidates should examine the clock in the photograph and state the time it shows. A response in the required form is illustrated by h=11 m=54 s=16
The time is h=6 m=30 s=10
